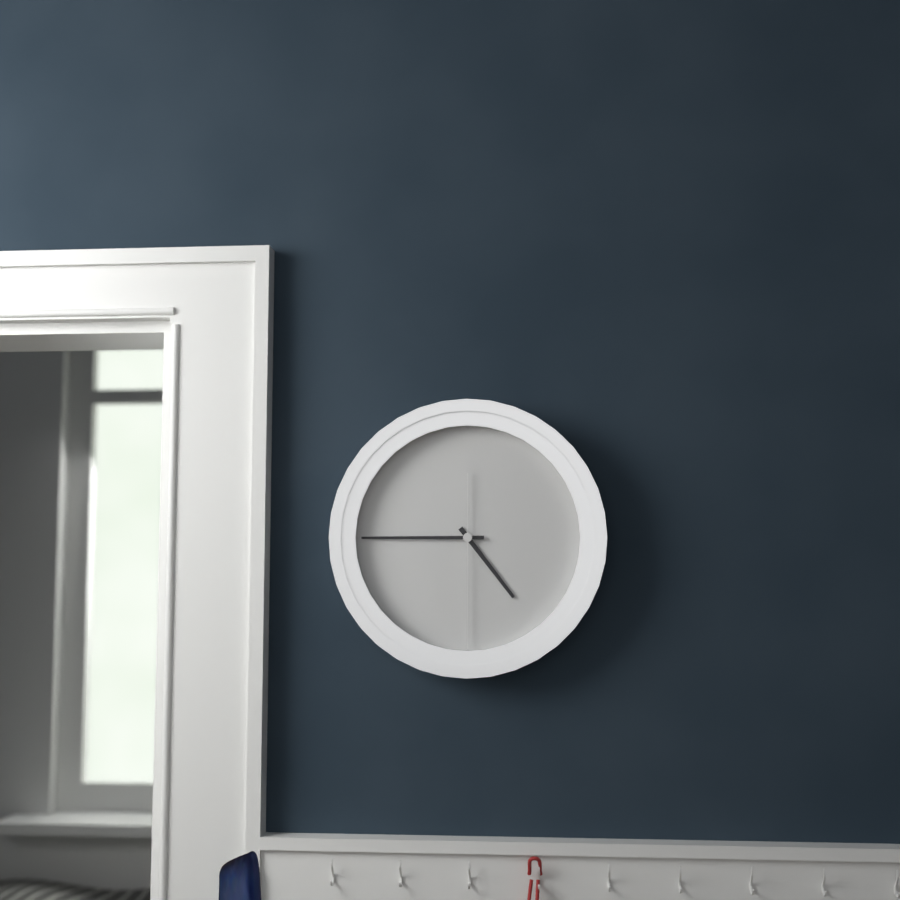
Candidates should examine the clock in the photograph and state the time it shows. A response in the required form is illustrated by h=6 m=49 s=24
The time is h=4 m=45 s=30
